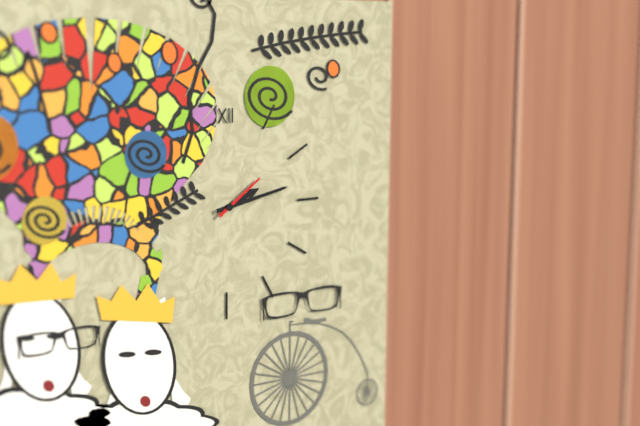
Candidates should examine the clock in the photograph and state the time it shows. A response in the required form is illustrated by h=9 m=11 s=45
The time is h=2 m=13 s=9
